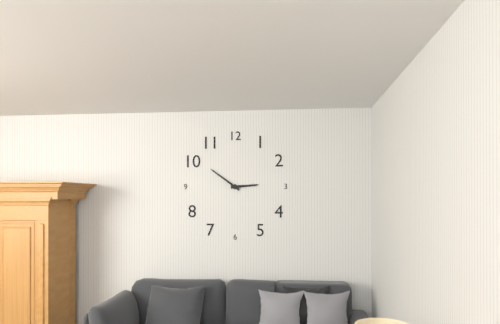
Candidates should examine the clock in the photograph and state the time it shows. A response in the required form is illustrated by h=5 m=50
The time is h=2 m=51
